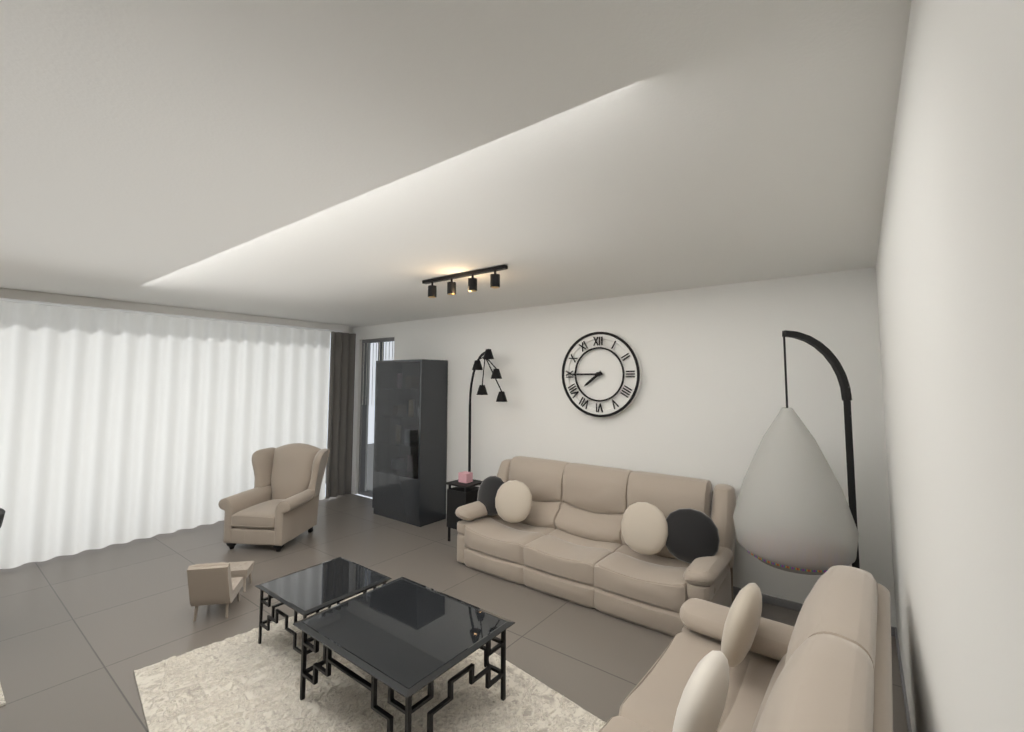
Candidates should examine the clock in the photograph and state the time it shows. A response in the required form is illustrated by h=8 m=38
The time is h=7 m=45
